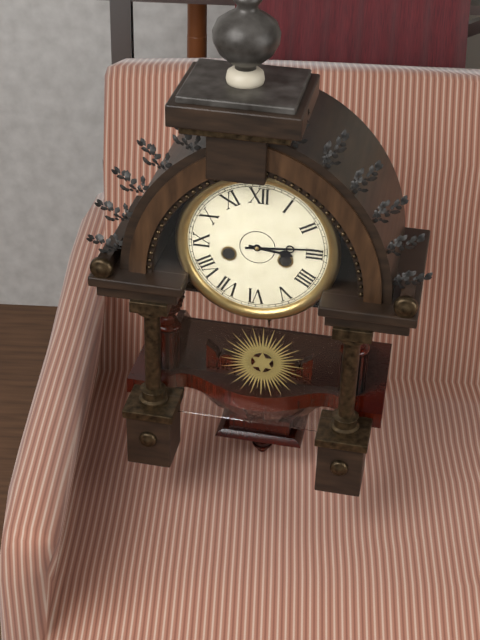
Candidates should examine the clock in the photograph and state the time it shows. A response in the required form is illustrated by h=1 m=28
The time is h=3 m=14
